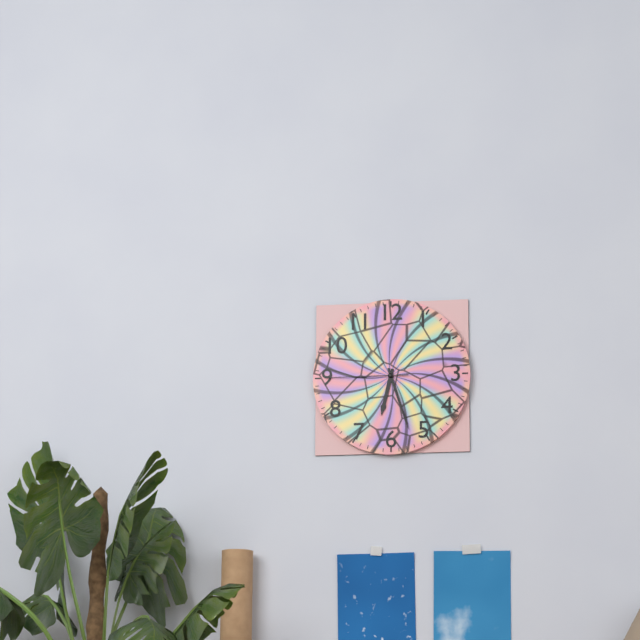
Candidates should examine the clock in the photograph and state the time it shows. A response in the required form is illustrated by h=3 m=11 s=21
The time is h=6 m=27 s=45
